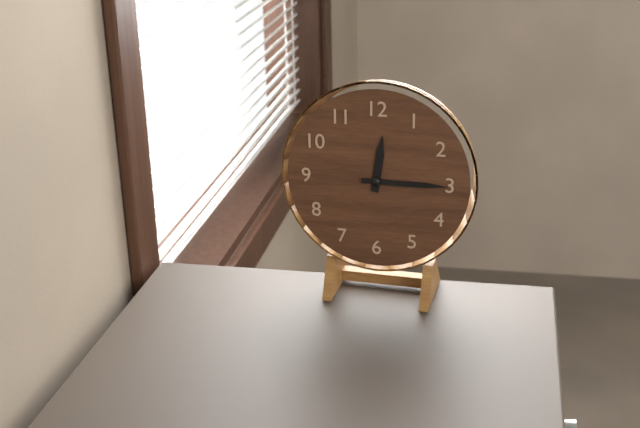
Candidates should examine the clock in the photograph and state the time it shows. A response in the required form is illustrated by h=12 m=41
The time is h=12 m=15
